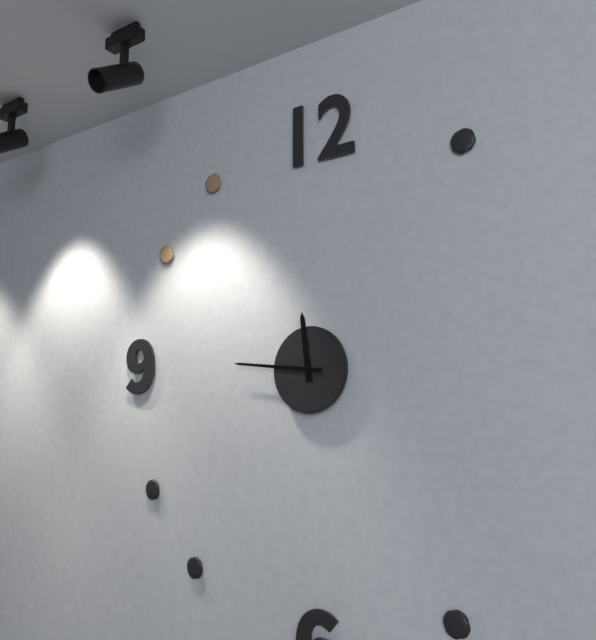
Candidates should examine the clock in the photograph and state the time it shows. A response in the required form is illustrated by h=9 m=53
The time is h=11 m=46
